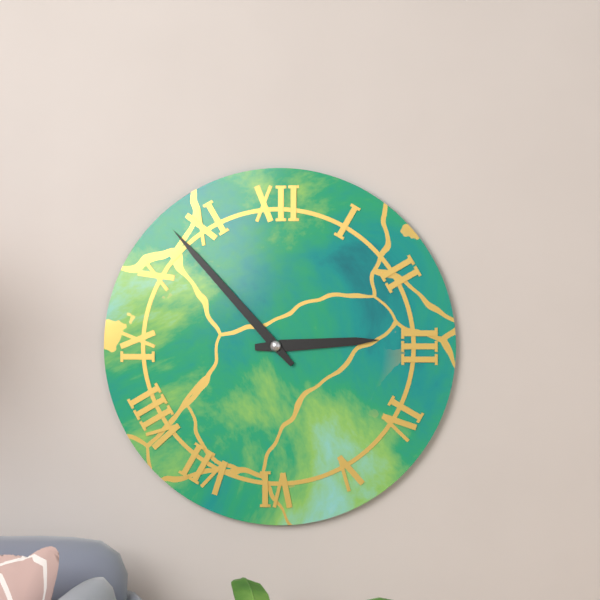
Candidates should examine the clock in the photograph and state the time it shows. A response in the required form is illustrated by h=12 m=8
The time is h=2 m=53
